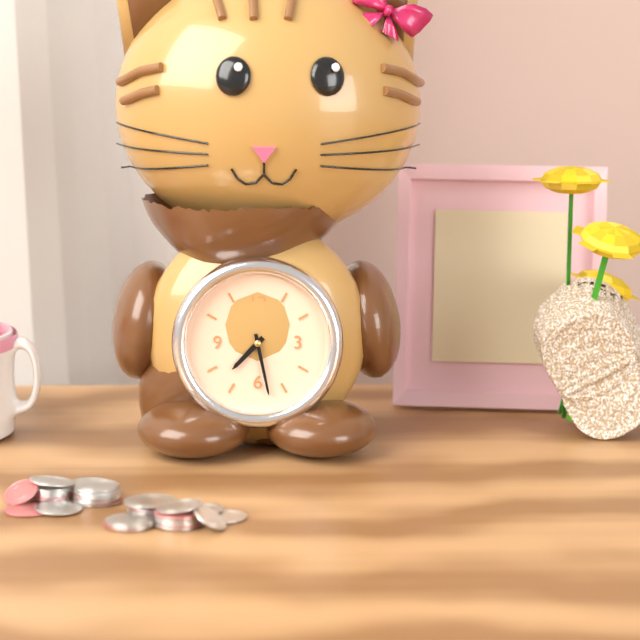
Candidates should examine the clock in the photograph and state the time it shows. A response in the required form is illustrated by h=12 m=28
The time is h=7 m=28
